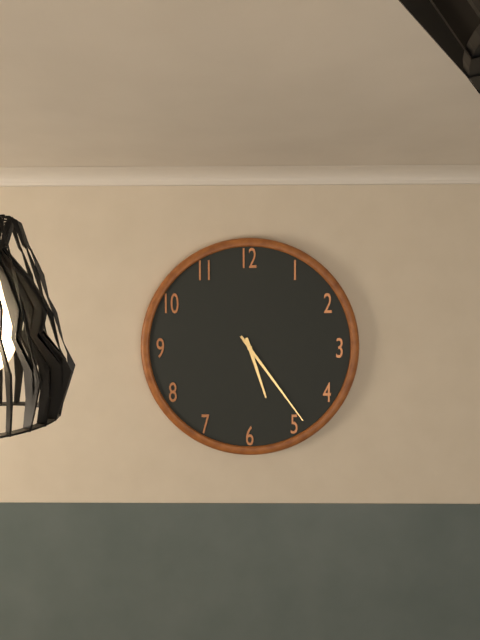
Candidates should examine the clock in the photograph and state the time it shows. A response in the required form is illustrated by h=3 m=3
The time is h=5 m=24
